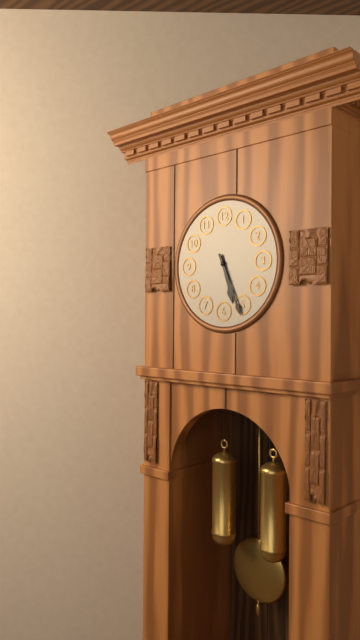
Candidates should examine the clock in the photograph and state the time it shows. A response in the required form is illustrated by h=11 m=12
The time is h=5 m=26
